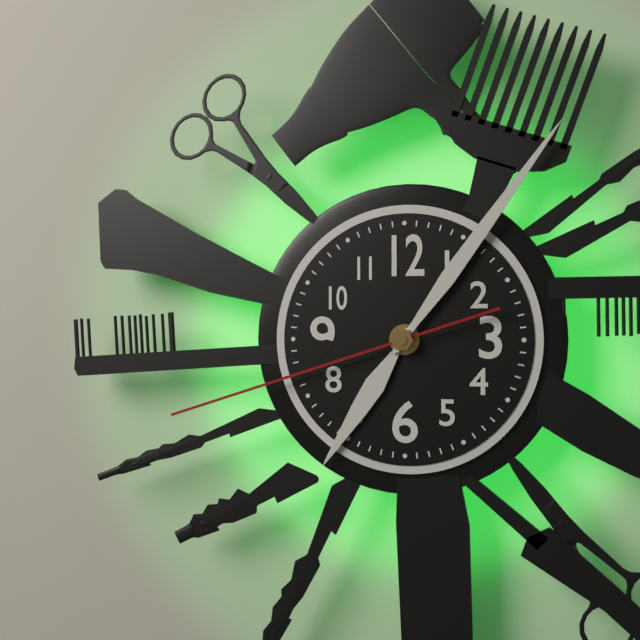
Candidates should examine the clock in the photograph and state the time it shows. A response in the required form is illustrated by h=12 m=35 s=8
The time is h=7 m=6 s=42
